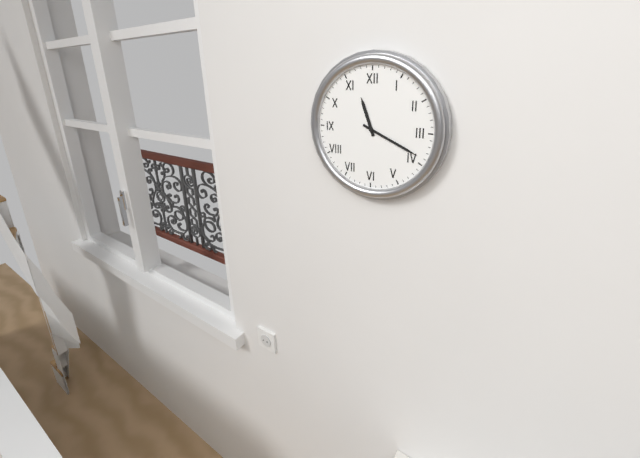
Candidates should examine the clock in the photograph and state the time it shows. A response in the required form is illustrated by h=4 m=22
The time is h=11 m=19
